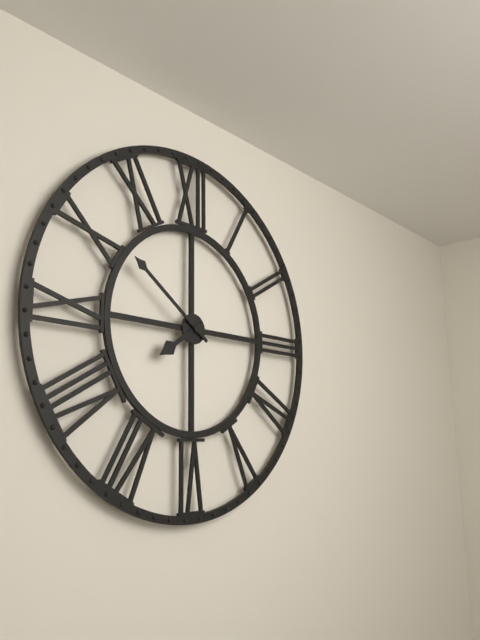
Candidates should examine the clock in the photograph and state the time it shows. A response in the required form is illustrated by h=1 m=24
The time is h=7 m=51
